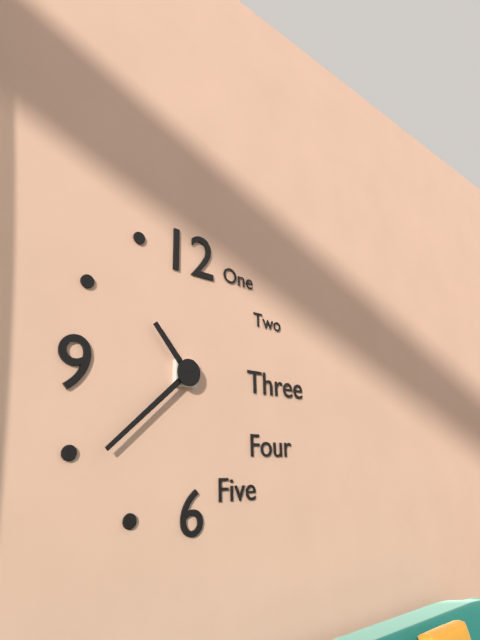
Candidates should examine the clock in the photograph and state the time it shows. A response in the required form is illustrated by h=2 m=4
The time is h=10 m=38
